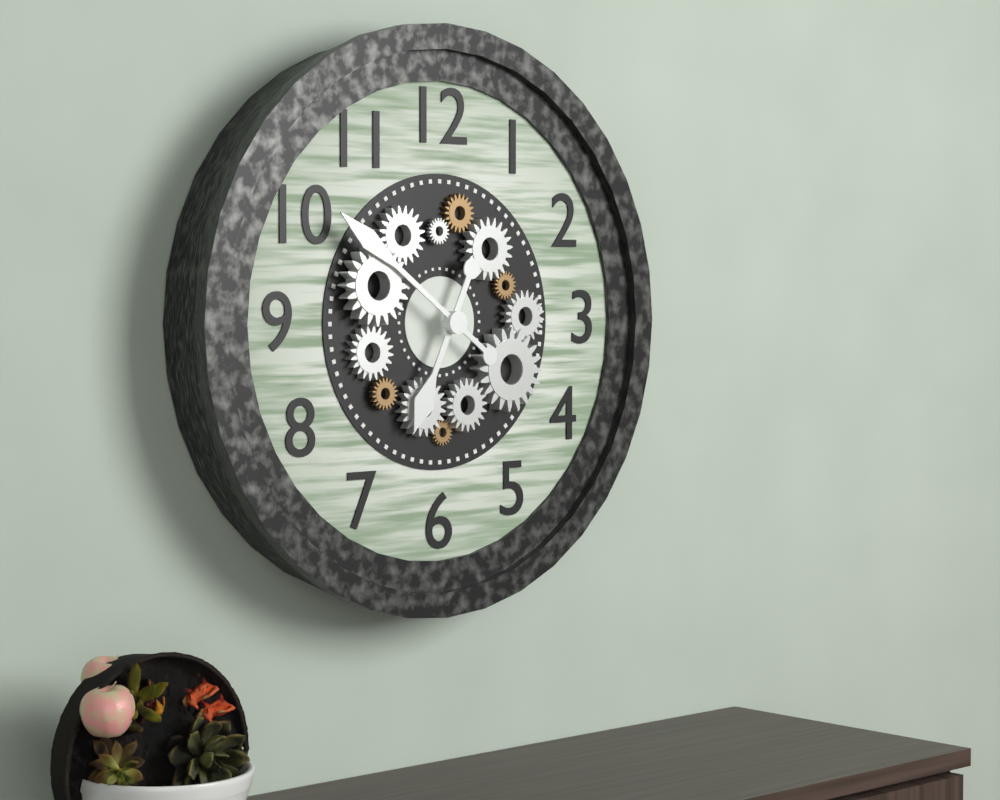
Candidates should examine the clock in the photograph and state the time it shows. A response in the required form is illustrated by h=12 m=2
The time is h=6 m=51
